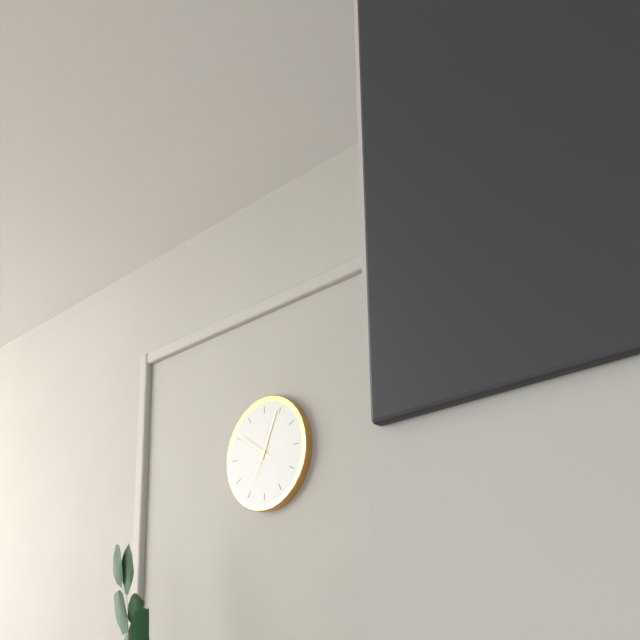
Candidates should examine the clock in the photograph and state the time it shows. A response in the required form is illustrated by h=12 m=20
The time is h=7 m=4
